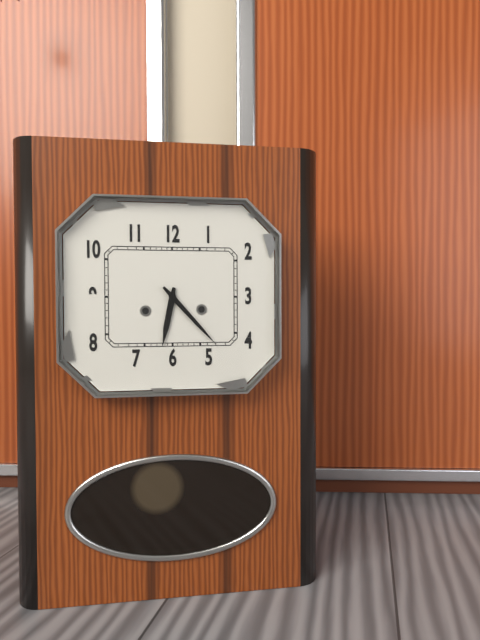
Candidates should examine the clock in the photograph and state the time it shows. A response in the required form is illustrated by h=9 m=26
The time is h=6 m=23
